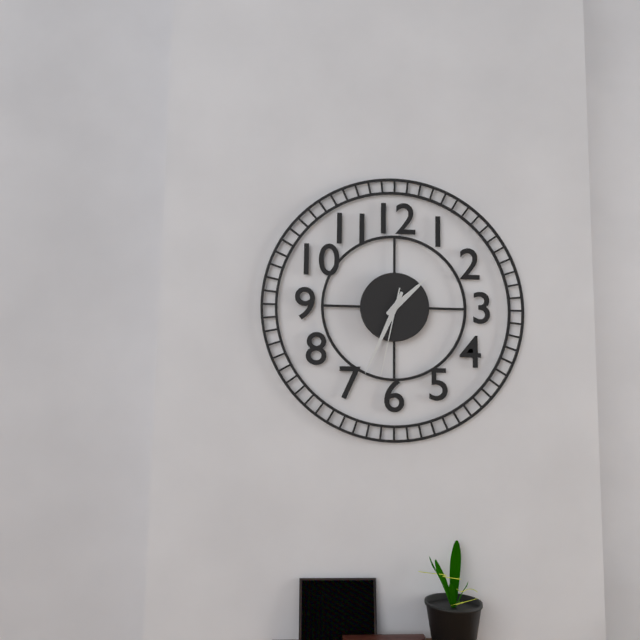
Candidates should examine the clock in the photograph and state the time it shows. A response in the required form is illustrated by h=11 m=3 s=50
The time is h=1 m=34 s=32
